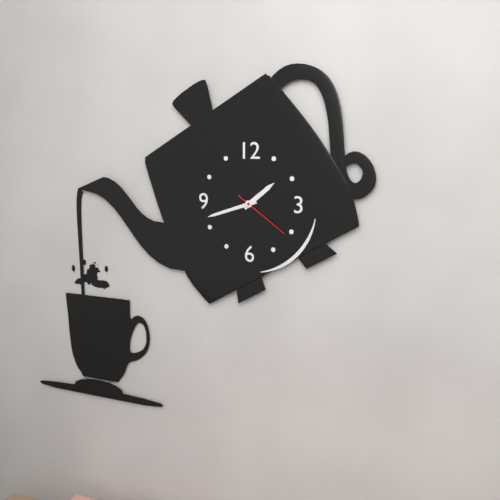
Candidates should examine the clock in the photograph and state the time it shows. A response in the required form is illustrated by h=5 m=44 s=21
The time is h=1 m=42 s=21
